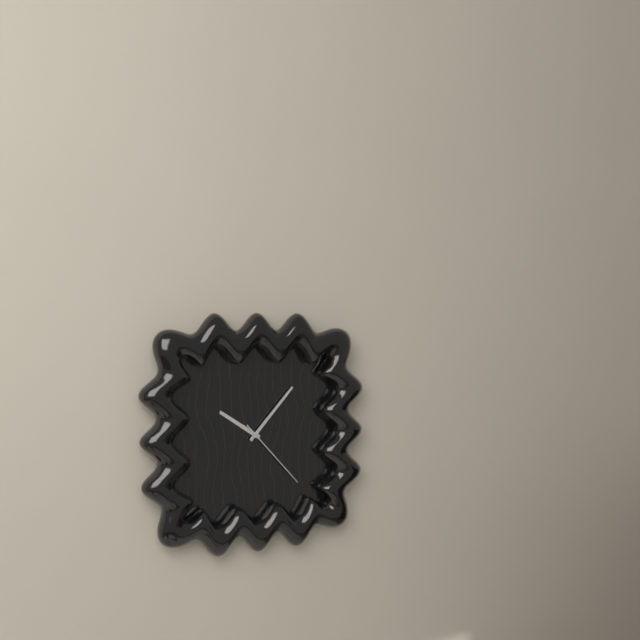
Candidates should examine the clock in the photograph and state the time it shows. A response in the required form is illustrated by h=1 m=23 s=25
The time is h=10 m=7 s=23
